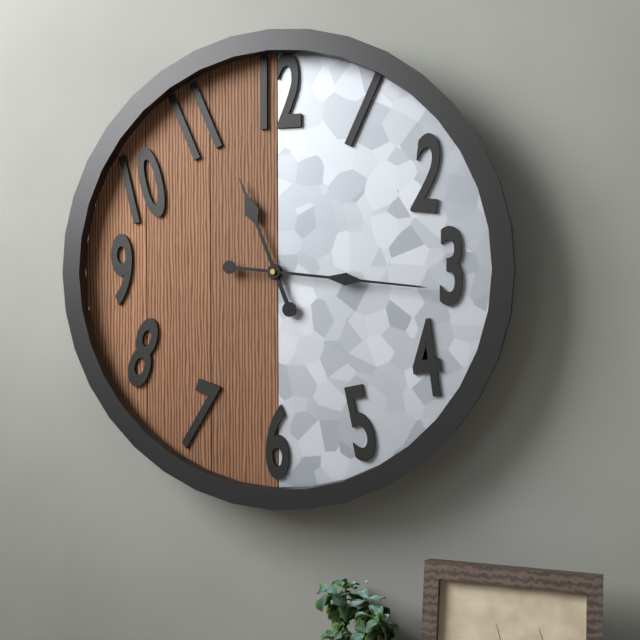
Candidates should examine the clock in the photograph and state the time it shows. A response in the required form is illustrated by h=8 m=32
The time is h=11 m=16
